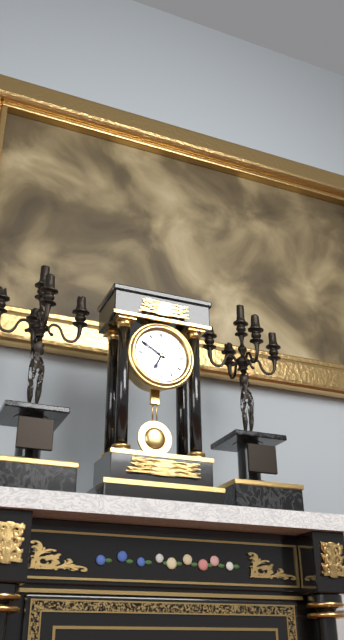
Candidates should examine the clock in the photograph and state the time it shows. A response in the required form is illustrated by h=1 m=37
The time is h=6 m=50
